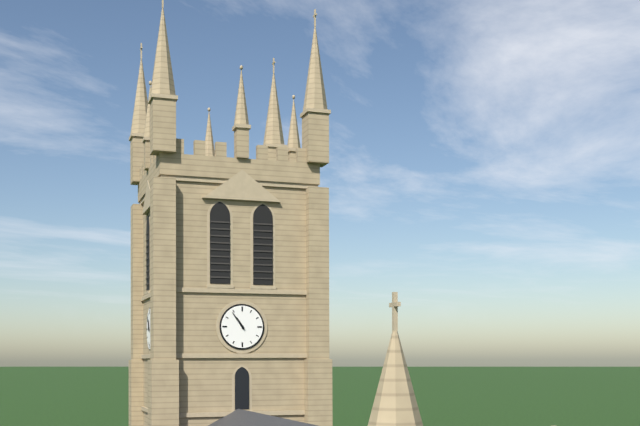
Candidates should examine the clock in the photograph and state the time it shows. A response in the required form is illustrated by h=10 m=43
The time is h=10 m=54
